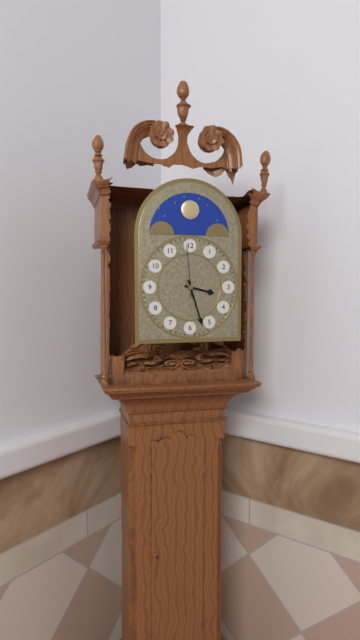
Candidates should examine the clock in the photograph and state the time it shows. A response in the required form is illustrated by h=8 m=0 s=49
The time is h=3 m=27 s=59
